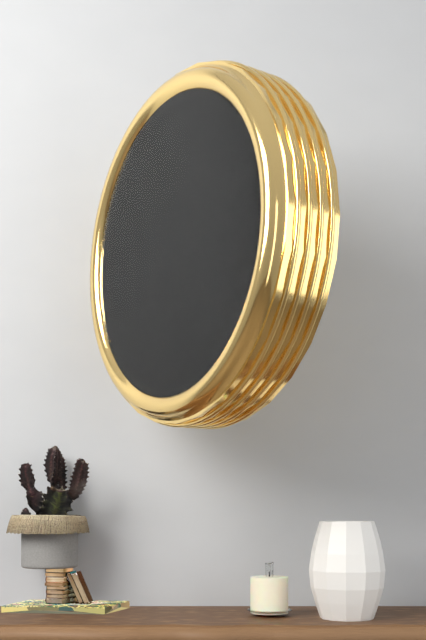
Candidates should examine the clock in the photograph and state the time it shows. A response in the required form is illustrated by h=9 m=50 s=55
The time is h=6 m=47 s=25
